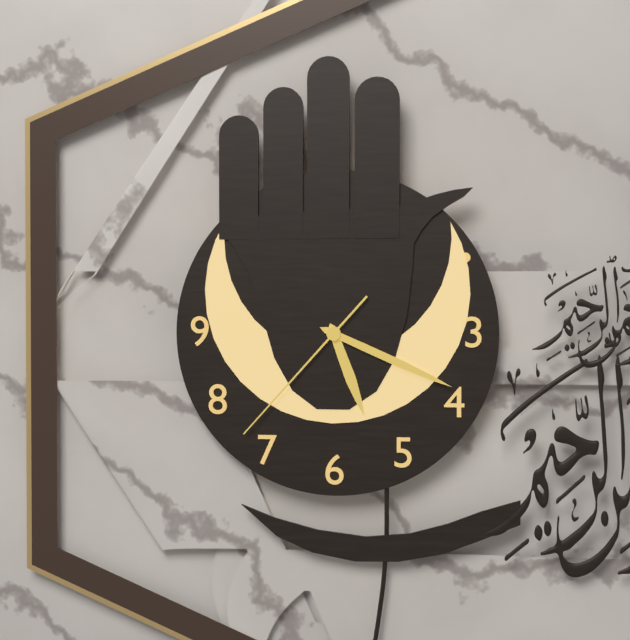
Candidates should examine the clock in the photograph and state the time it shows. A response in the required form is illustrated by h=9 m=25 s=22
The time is h=5 m=19 s=37
